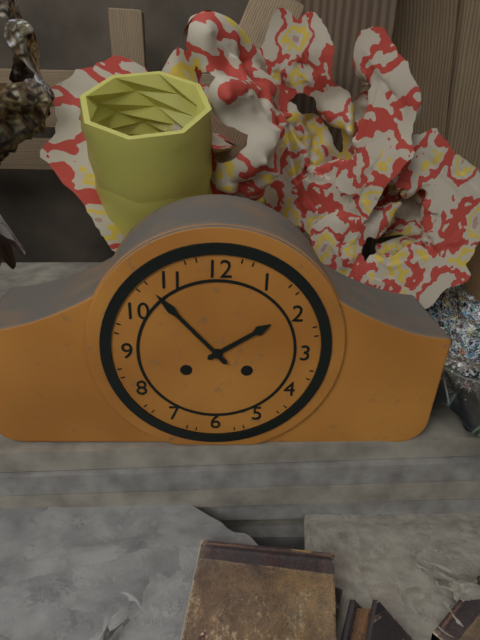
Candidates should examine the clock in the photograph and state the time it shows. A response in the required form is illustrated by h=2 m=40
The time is h=1 m=53
